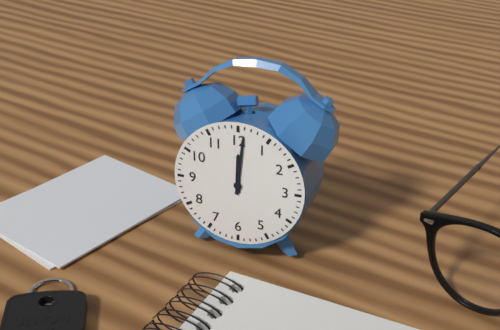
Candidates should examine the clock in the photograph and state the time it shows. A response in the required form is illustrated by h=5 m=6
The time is h=12 m=1
